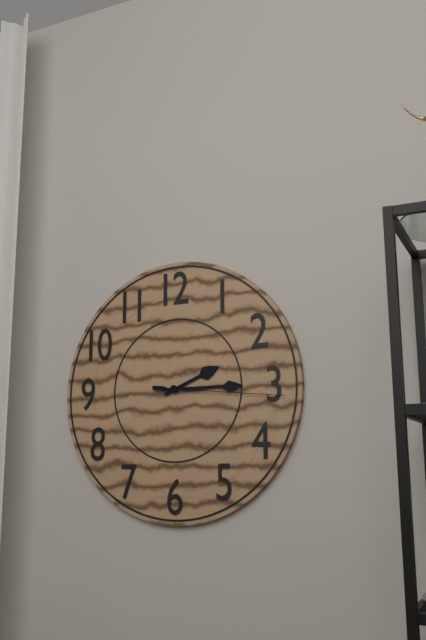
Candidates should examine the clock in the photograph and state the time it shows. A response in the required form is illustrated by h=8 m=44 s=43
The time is h=2 m=15 s=16
